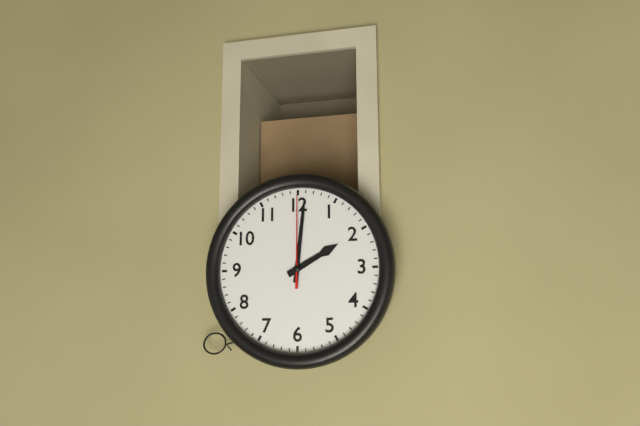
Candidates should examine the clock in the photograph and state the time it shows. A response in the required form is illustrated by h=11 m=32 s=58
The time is h=2 m=1 s=0
